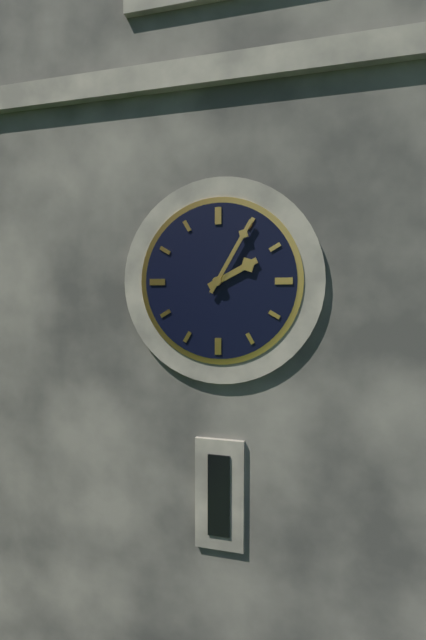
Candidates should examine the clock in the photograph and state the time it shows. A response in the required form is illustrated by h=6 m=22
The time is h=2 m=5
